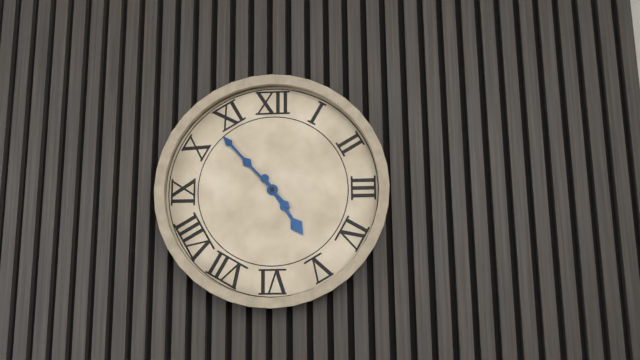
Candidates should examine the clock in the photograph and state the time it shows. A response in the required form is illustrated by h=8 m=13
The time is h=4 m=53
